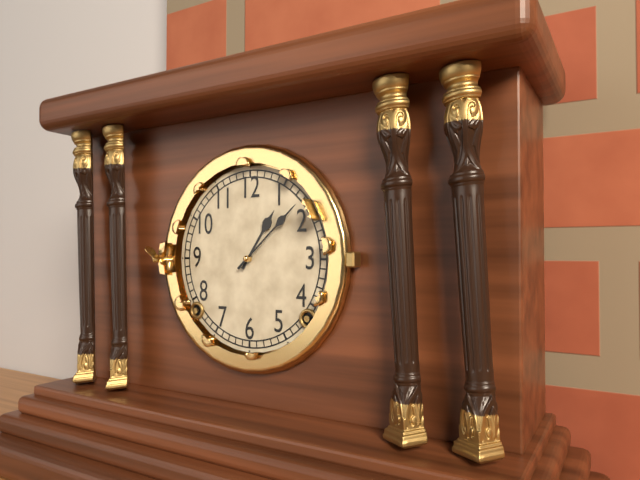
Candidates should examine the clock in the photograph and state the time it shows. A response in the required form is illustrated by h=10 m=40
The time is h=1 m=8
